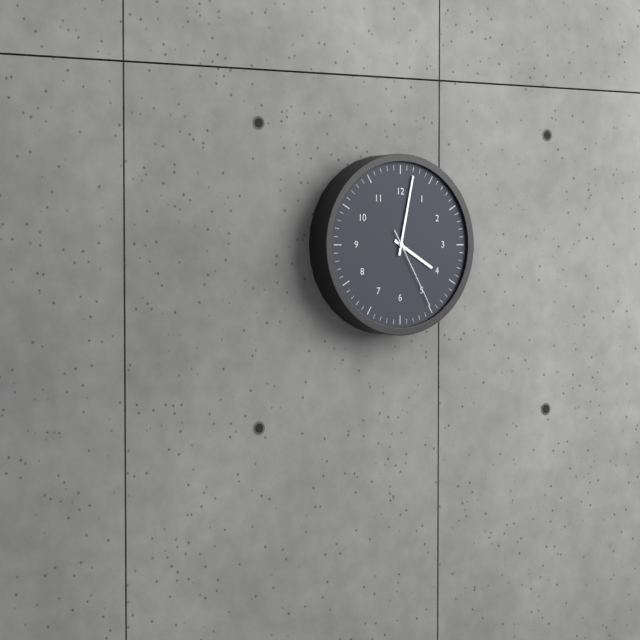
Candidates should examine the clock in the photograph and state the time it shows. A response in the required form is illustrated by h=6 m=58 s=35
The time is h=4 m=2 s=25
